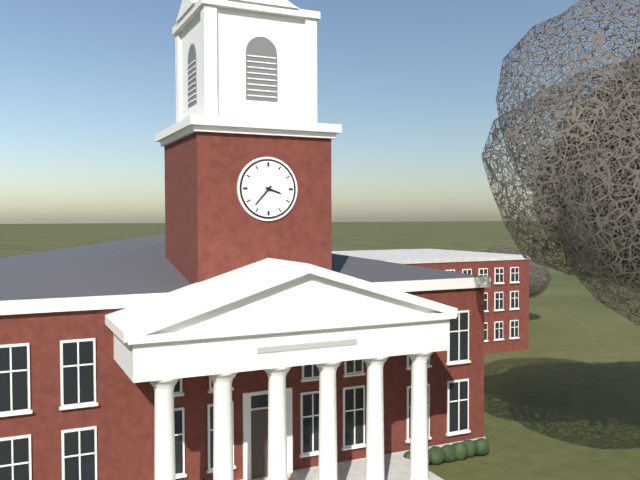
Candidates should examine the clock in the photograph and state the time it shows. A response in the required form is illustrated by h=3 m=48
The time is h=3 m=37
